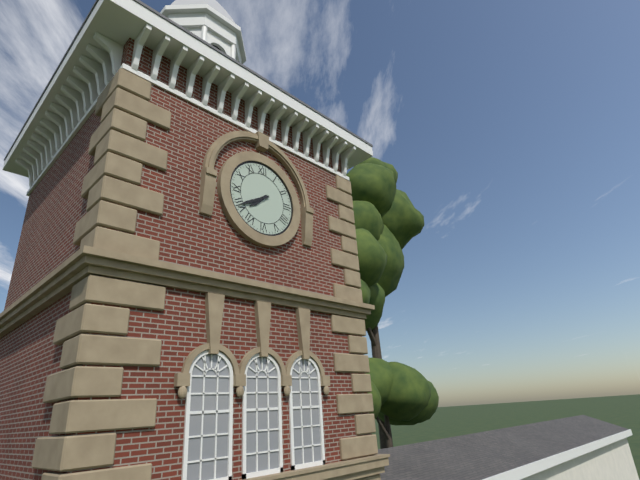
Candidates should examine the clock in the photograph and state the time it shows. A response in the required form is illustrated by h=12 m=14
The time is h=7 m=40
